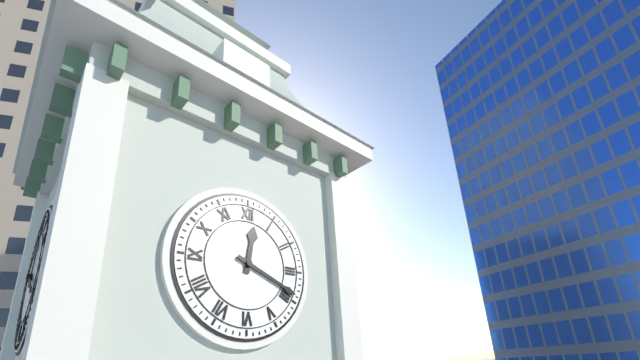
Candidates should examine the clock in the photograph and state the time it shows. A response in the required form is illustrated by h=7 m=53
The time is h=12 m=19
